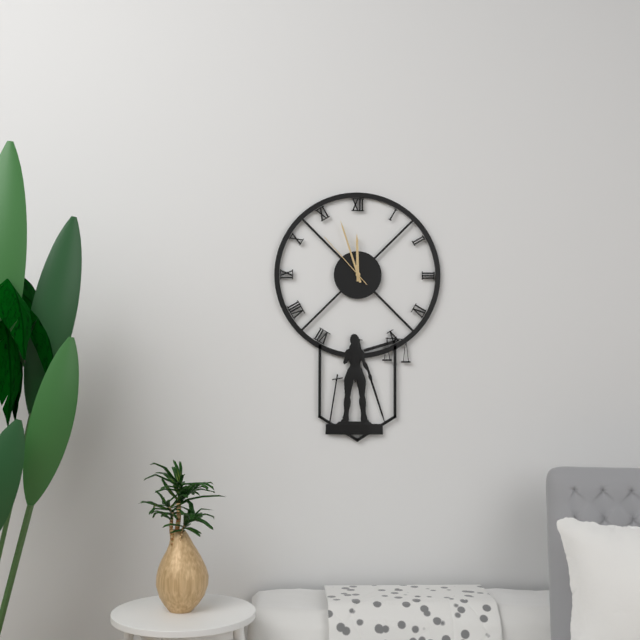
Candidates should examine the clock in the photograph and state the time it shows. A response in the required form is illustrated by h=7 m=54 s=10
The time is h=11 m=57 s=53
